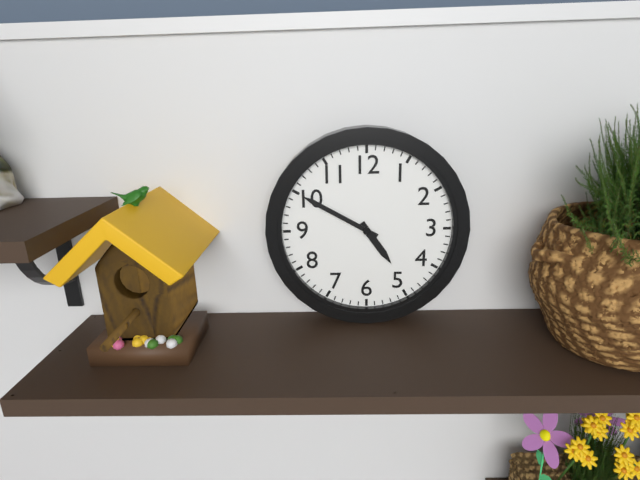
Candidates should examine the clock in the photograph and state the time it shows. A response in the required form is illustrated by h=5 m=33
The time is h=4 m=50
